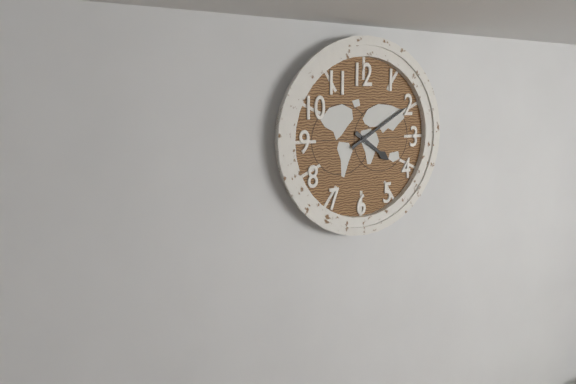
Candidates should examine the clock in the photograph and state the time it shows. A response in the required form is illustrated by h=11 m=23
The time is h=4 m=10
